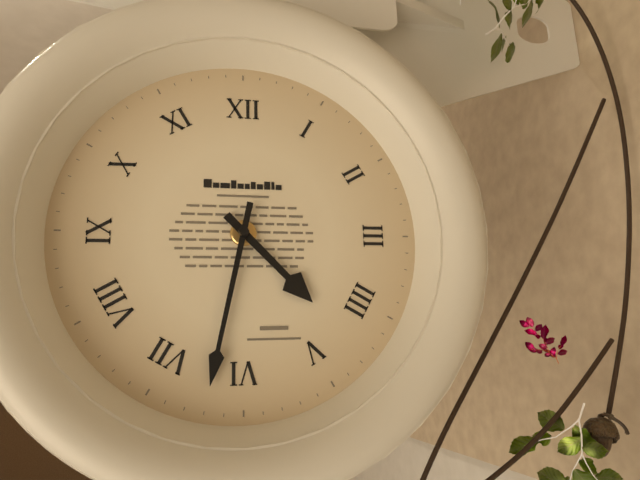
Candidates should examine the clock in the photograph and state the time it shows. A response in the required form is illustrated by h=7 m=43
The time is h=4 m=32
